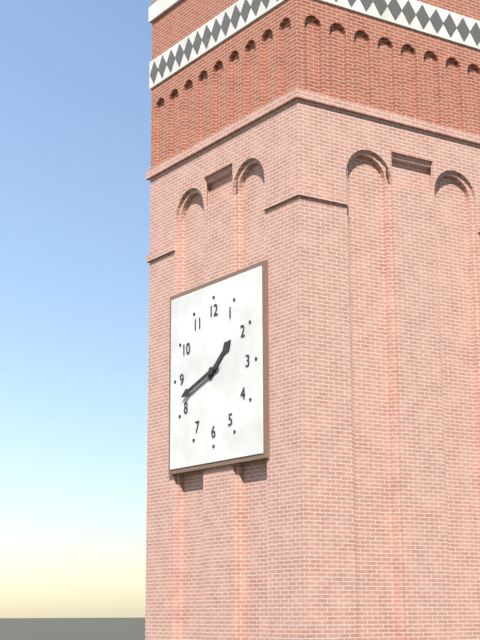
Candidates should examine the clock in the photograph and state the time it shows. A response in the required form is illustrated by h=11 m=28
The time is h=1 m=42
